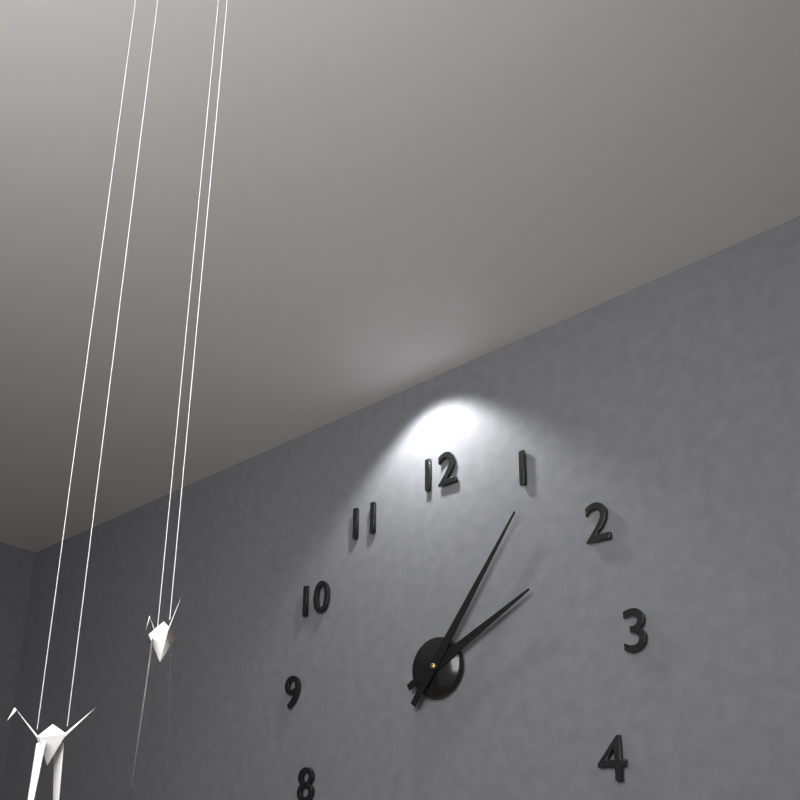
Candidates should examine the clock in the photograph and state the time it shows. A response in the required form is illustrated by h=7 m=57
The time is h=2 m=6
